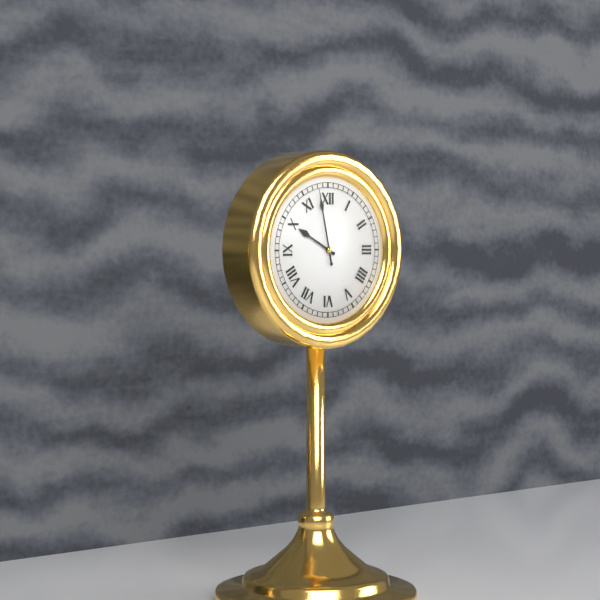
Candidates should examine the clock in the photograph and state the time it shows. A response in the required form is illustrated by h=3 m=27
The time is h=9 m=58
